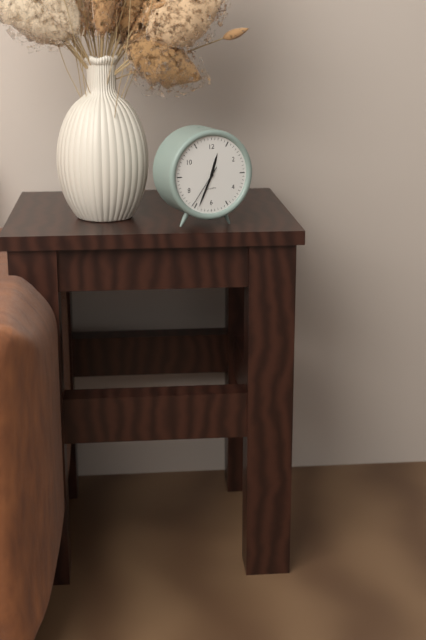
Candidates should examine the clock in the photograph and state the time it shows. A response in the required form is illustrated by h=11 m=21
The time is h=12 m=34
